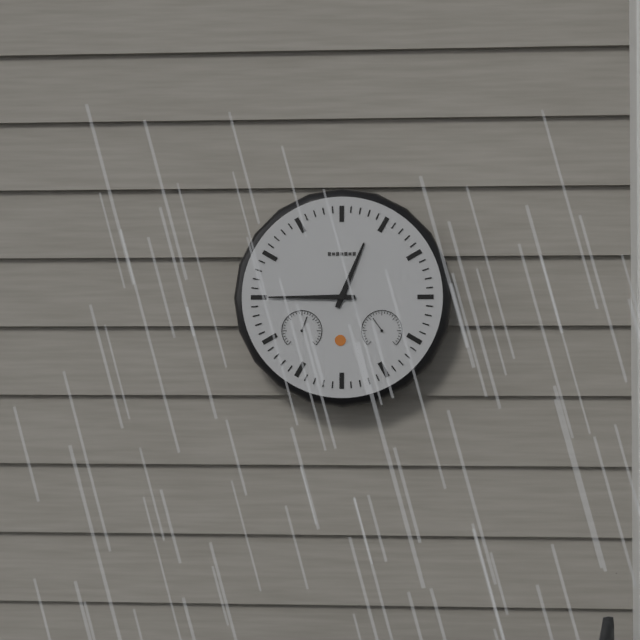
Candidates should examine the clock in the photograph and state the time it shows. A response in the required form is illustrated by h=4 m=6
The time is h=12 m=45
